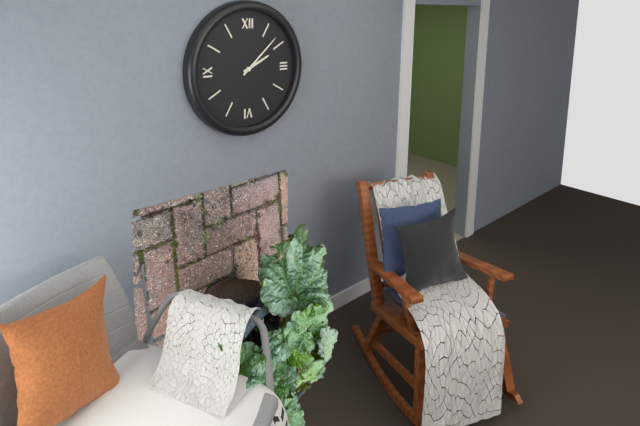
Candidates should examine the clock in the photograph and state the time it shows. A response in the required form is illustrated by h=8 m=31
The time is h=2 m=8
